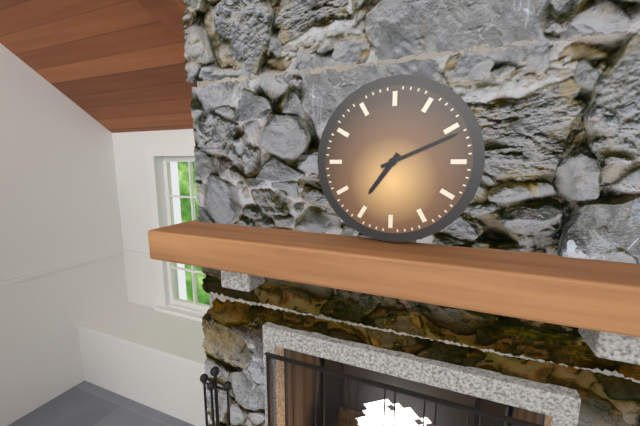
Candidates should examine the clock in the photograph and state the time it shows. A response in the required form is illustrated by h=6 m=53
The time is h=7 m=11
